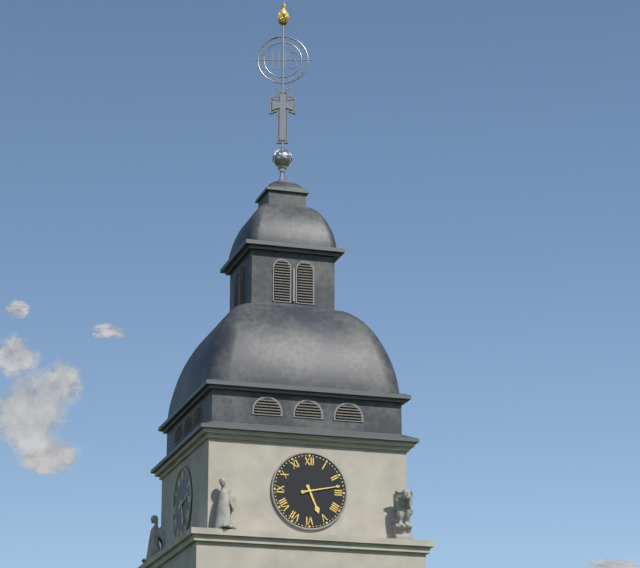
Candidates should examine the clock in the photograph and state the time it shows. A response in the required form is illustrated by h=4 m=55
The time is h=5 m=13
